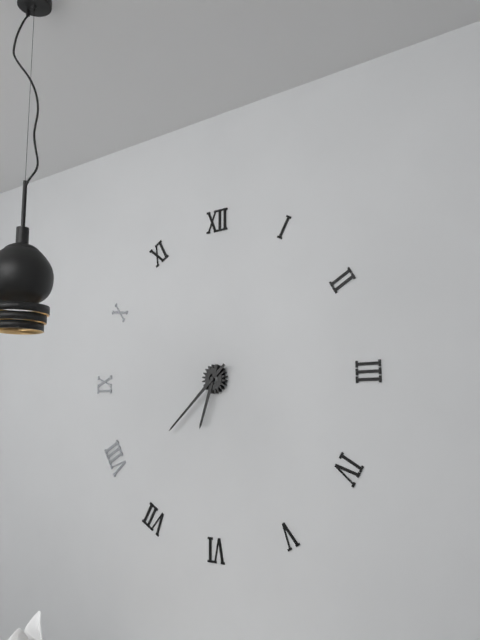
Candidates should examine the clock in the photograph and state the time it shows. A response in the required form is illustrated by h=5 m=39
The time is h=6 m=38
